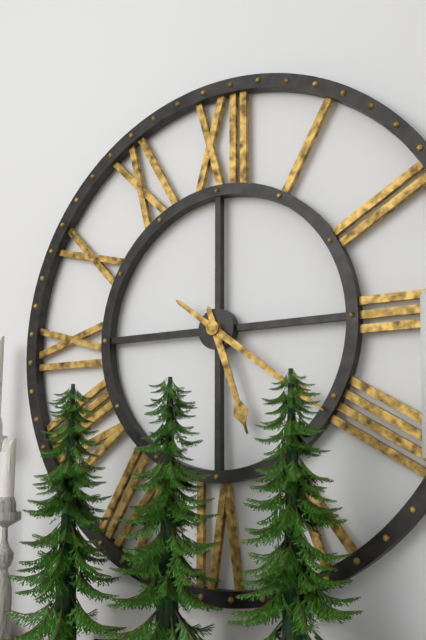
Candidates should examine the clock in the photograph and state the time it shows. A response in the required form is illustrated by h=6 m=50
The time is h=5 m=21
